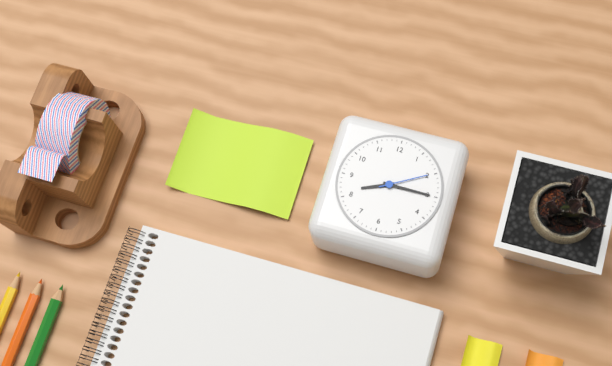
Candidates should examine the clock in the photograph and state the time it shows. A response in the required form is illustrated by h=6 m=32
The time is h=8 m=15
